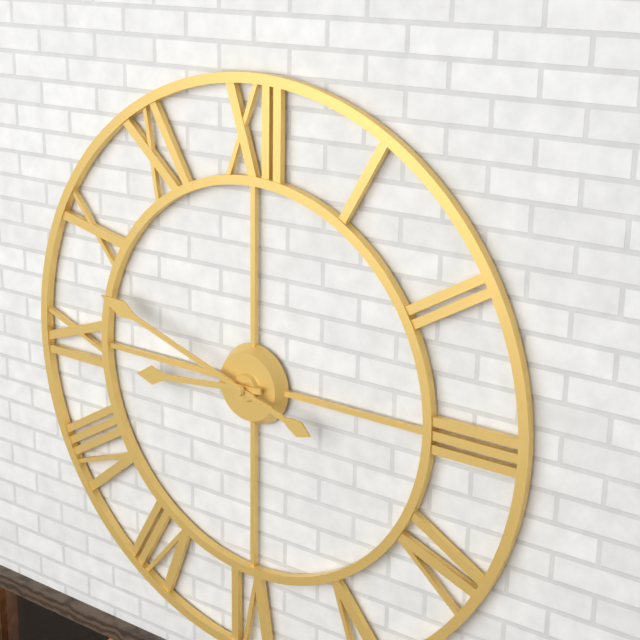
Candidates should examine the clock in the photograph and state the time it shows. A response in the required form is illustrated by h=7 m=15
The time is h=8 m=48
